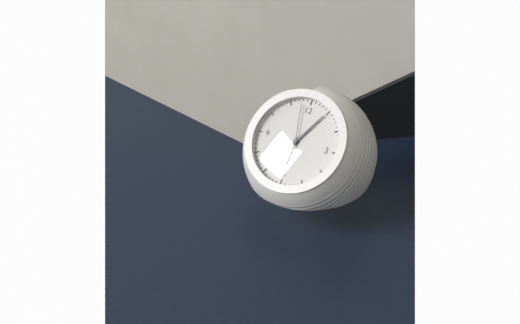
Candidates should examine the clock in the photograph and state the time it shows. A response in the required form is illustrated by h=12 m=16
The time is h=6 m=5
